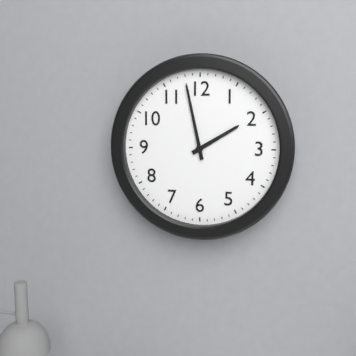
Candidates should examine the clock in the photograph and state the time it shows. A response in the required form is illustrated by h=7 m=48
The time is h=1 m=58
